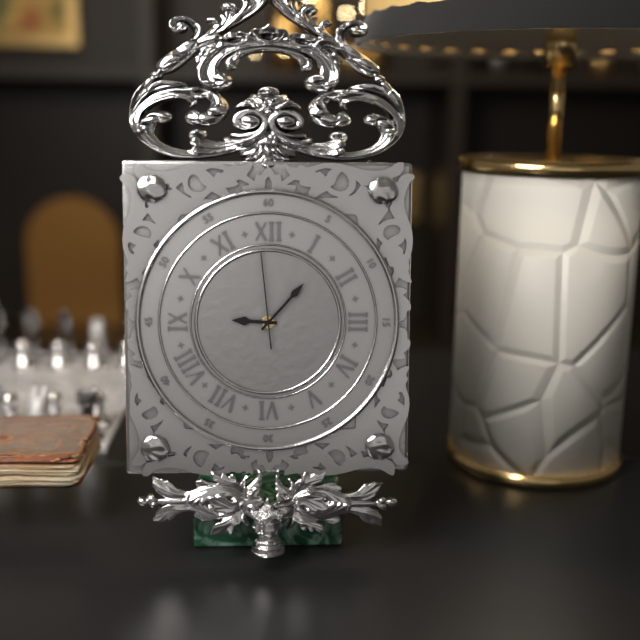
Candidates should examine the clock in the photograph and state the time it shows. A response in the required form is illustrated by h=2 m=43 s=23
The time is h=9 m=7 s=59
